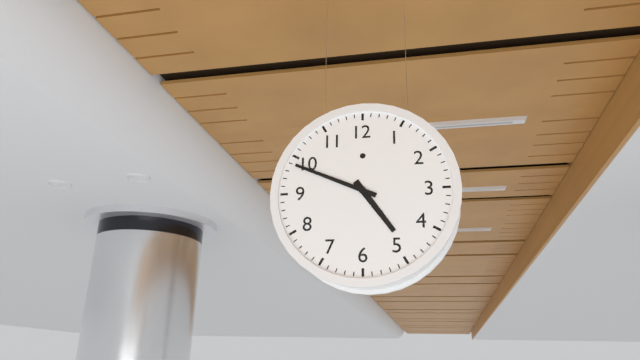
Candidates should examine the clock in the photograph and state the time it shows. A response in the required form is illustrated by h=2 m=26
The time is h=4 m=49
